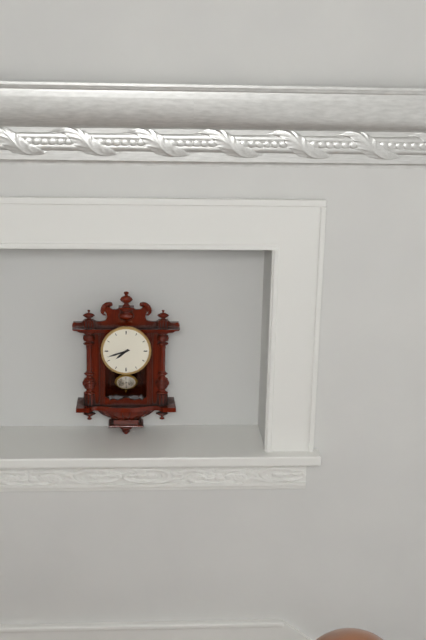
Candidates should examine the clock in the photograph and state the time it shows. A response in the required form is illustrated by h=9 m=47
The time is h=7 m=42
